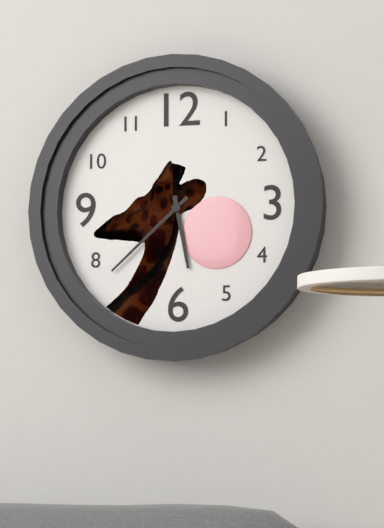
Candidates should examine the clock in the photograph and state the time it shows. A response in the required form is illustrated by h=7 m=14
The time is h=5 m=38
